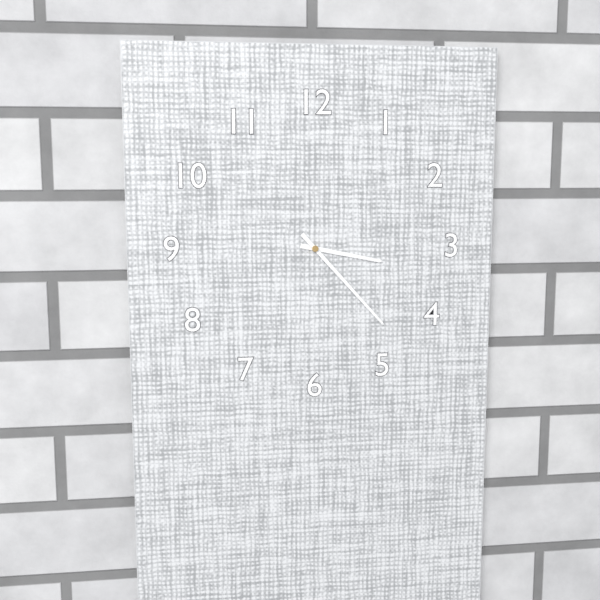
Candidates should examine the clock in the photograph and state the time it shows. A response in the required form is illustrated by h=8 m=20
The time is h=3 m=23
